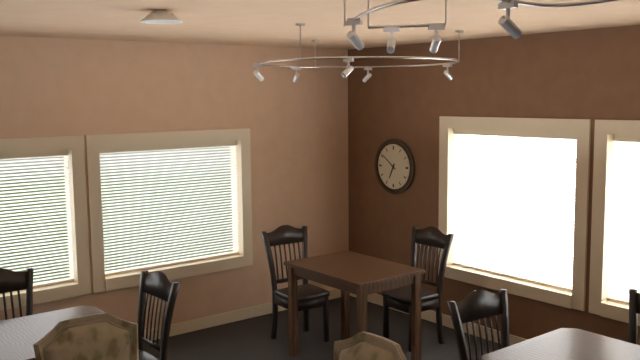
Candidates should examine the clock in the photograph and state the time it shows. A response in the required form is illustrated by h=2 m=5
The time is h=6 m=51
